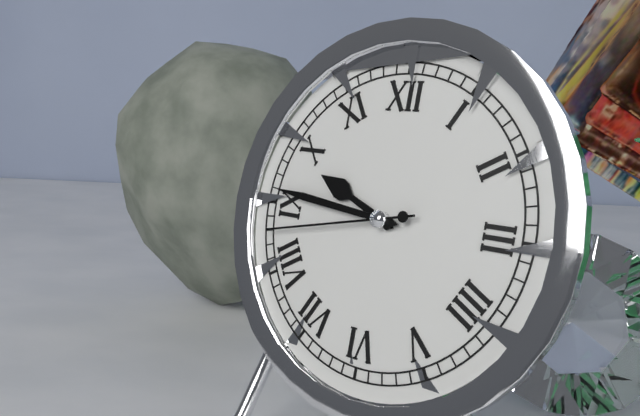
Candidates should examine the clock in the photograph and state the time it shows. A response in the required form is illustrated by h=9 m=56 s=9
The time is h=9 m=46 s=43
